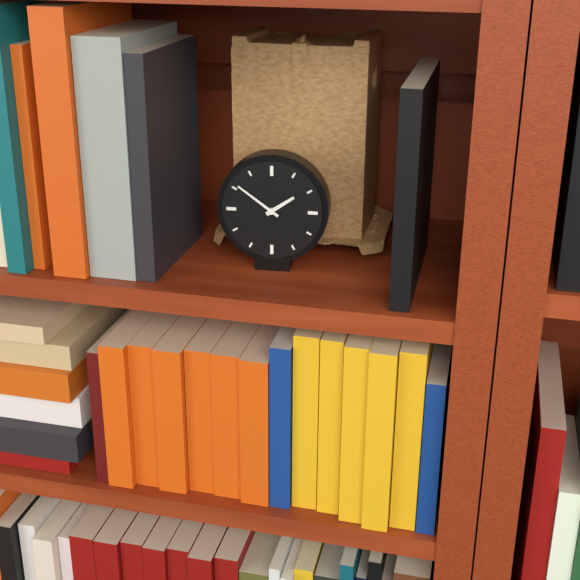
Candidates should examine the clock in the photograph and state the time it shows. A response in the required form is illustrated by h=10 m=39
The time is h=1 m=51
